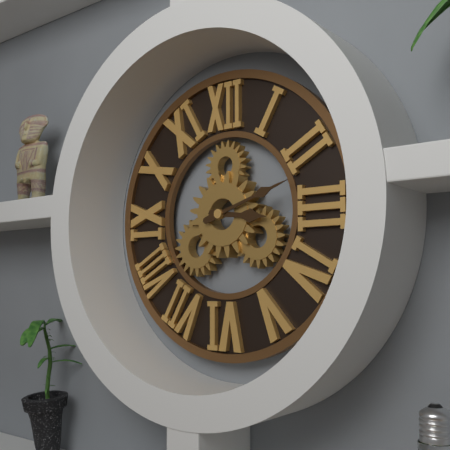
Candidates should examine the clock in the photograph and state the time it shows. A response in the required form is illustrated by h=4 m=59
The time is h=3 m=12
